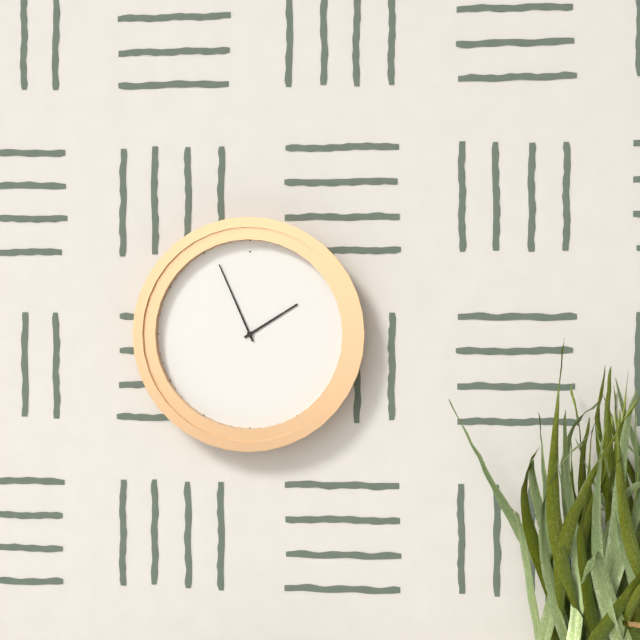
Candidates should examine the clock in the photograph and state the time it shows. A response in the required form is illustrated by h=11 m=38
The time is h=1 m=56
